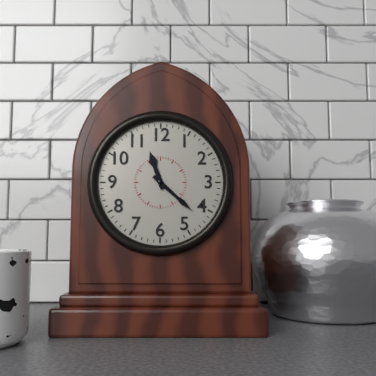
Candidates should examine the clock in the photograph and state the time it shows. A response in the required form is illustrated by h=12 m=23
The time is h=11 m=22
